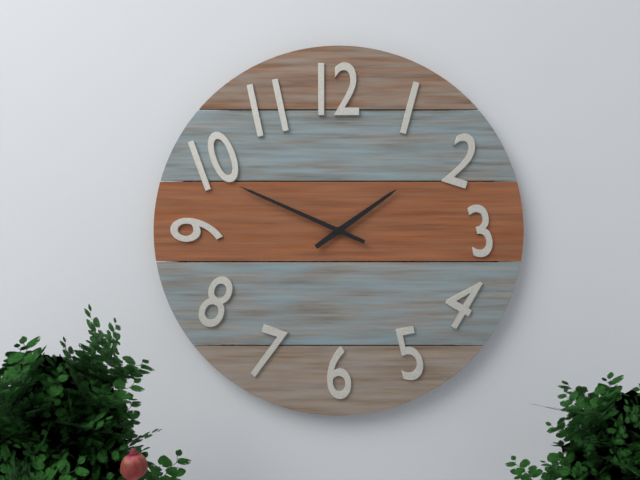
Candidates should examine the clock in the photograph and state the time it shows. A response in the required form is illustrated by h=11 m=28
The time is h=1 m=49
